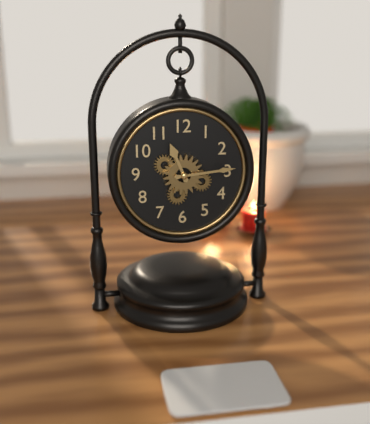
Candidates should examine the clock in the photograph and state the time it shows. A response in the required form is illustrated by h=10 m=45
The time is h=11 m=14
